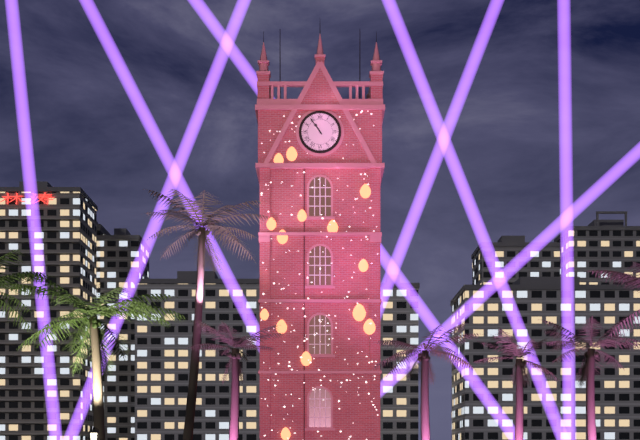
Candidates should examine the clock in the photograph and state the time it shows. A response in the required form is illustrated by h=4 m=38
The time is h=10 m=54
